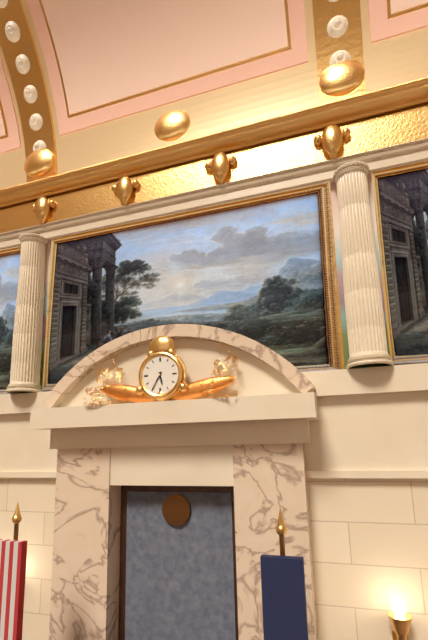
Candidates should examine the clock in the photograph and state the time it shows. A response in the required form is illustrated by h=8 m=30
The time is h=5 m=35
